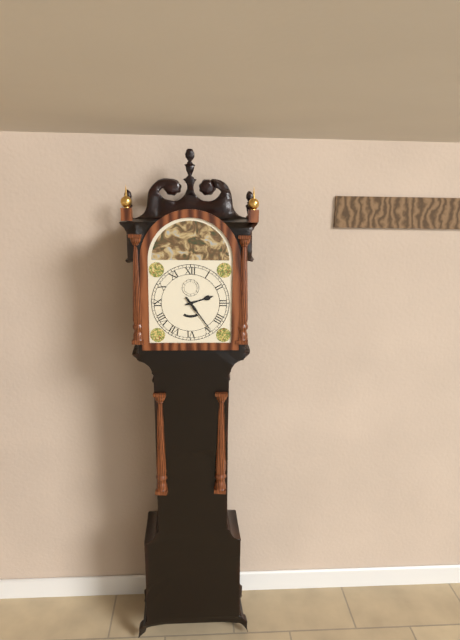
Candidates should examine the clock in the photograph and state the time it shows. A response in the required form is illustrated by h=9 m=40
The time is h=2 m=24
